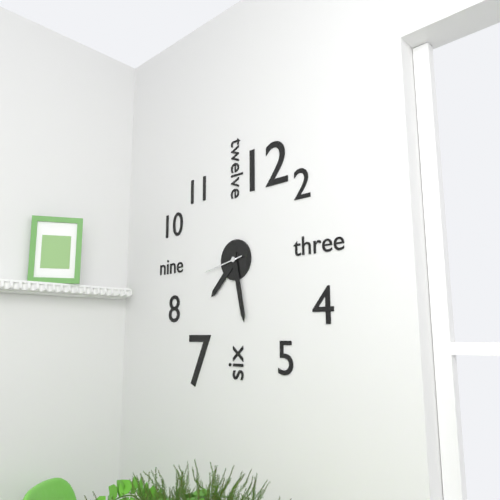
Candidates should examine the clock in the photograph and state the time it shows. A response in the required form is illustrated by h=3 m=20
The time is h=7 m=28
